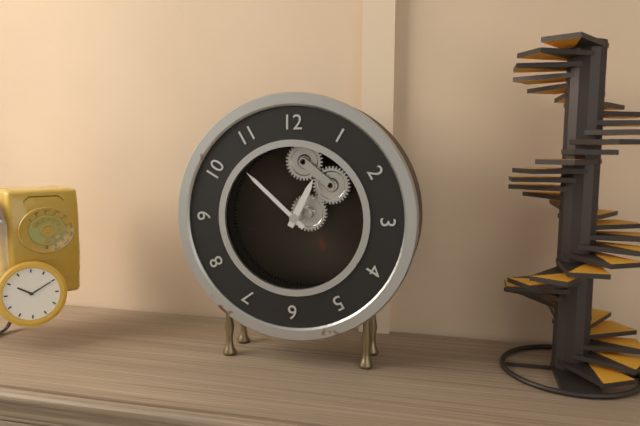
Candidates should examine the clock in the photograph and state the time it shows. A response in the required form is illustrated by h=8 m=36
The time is h=12 m=52
